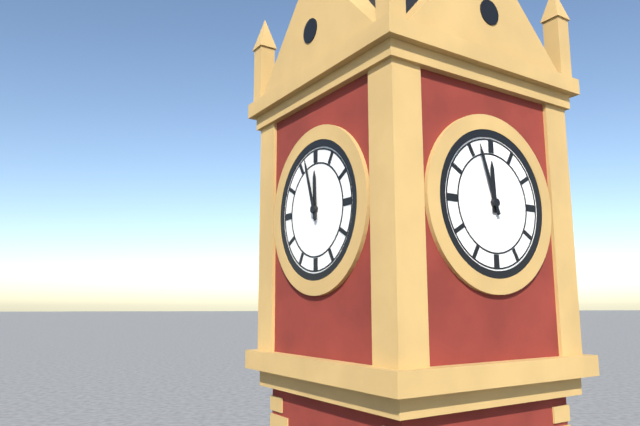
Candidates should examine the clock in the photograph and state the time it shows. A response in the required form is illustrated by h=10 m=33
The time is h=11 m=57
